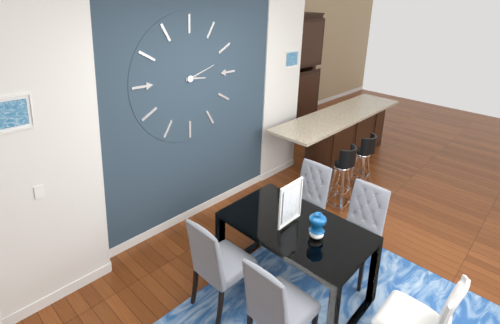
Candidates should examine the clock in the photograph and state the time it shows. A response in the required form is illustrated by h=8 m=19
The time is h=3 m=12
